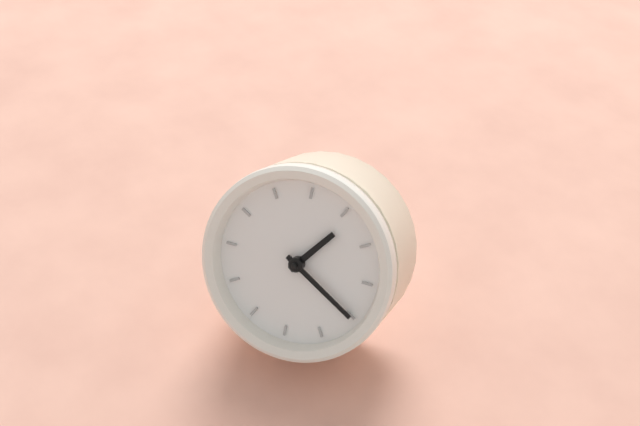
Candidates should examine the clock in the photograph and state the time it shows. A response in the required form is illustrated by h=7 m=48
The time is h=12 m=15
